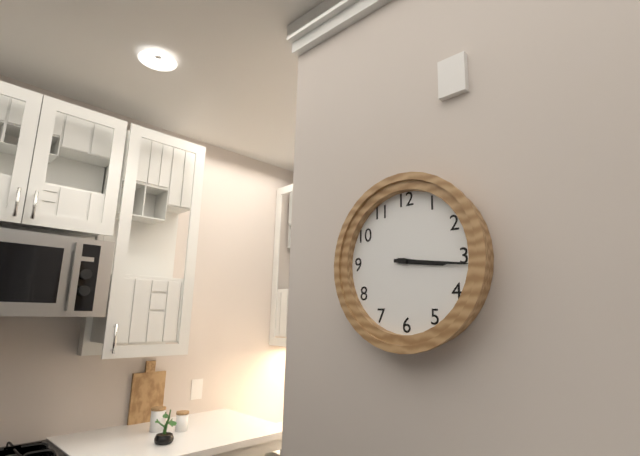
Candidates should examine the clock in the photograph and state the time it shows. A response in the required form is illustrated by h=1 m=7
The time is h=3 m=16
